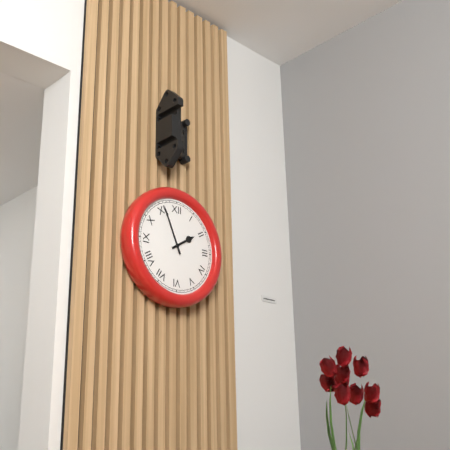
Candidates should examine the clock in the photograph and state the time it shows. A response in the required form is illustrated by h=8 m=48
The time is h=1 m=56
